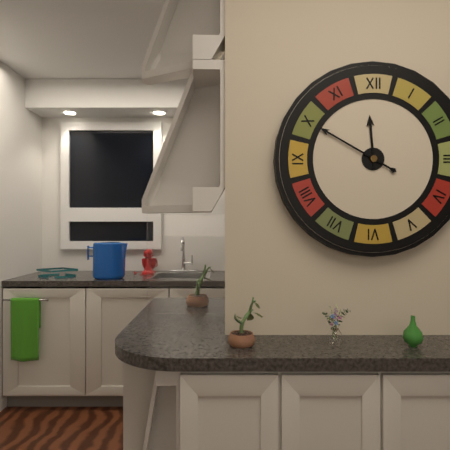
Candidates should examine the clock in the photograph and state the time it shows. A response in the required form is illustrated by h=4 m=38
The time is h=11 m=50
